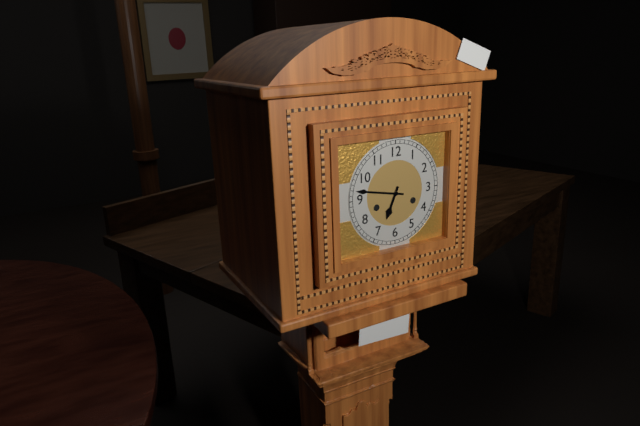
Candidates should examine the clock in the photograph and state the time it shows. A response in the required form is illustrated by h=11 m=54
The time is h=6 m=47
